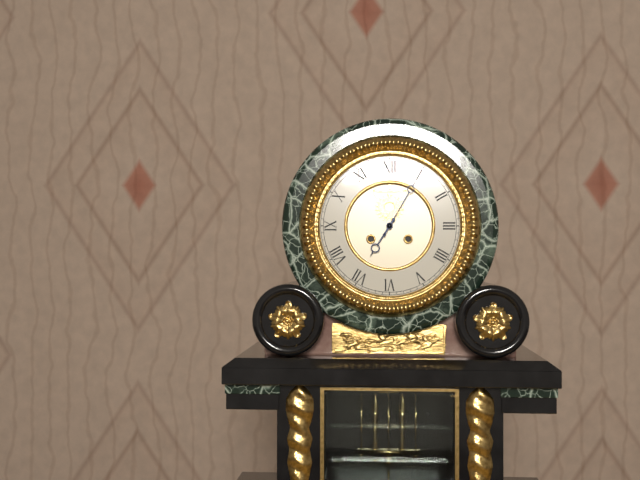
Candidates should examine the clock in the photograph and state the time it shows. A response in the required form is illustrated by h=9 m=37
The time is h=7 m=5
